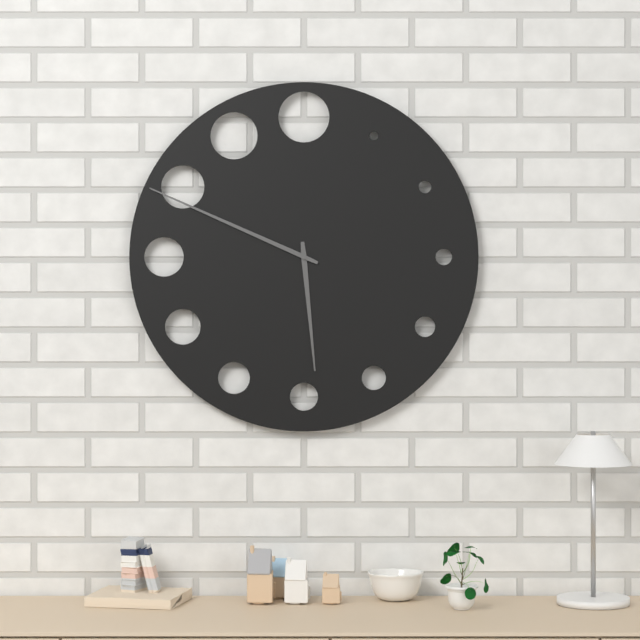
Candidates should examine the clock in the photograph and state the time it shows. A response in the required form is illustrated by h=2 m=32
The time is h=5 m=49
